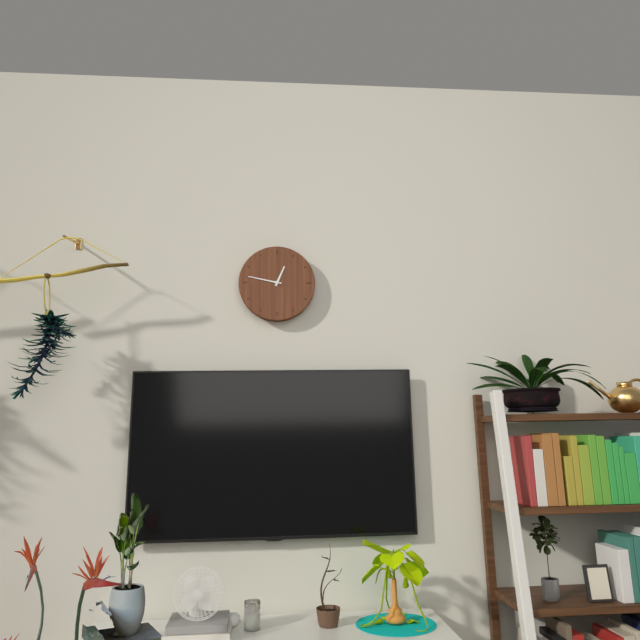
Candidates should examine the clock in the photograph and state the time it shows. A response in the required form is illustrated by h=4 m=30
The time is h=12 m=47
